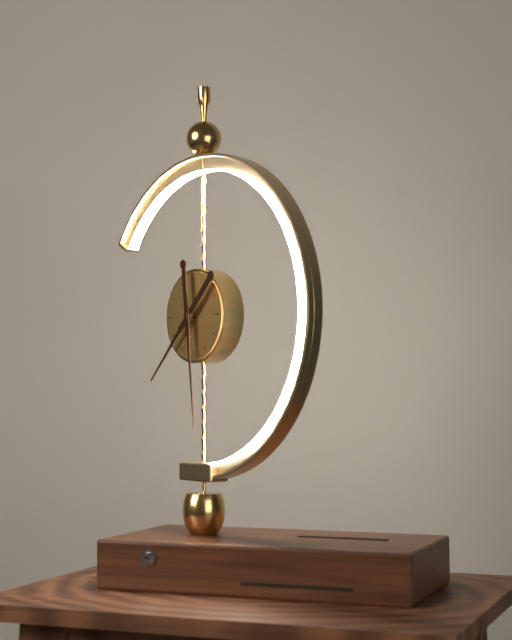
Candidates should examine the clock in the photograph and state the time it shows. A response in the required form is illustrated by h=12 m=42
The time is h=7 m=29
